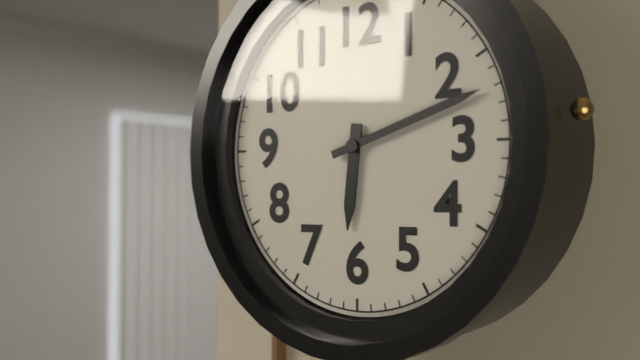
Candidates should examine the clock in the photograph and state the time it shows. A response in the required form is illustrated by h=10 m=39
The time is h=6 m=12
